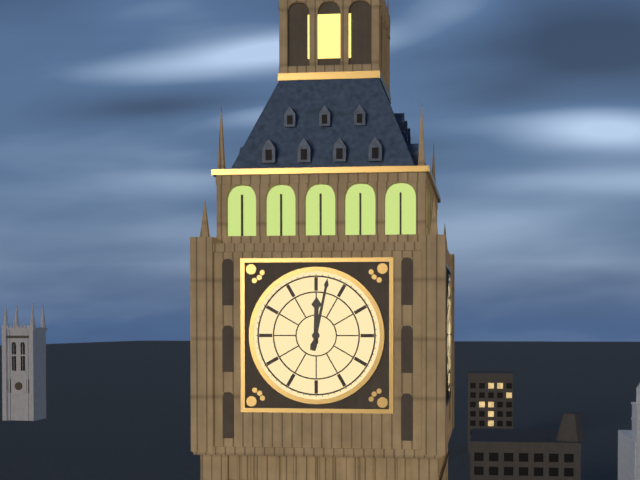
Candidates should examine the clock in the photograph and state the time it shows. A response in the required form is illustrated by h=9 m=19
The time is h=12 m=2
